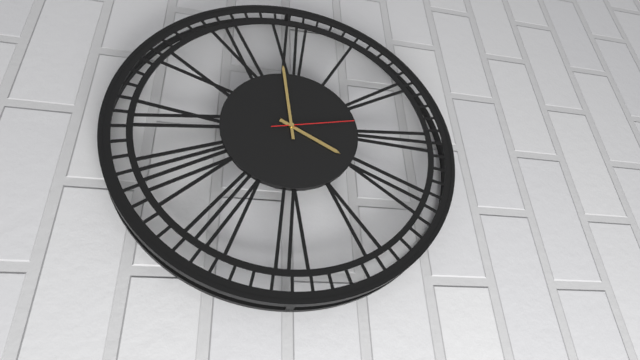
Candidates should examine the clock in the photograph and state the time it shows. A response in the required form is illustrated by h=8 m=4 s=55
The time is h=3 m=59 s=13
